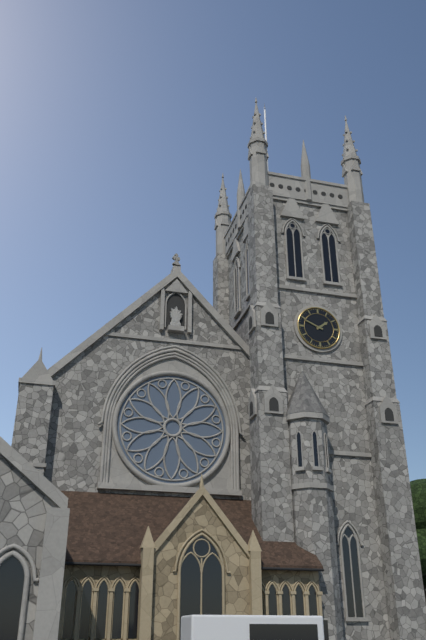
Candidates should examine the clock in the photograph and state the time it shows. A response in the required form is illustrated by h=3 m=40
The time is h=1 m=49
